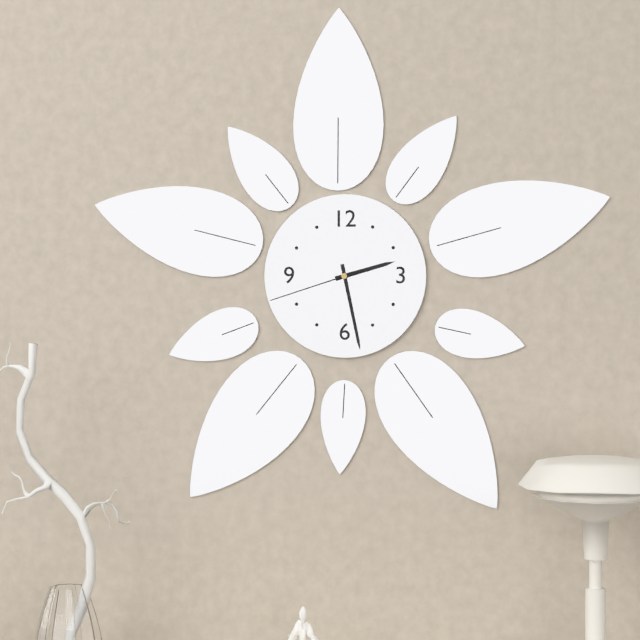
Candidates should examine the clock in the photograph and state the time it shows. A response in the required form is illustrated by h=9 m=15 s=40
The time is h=2 m=28 s=42
